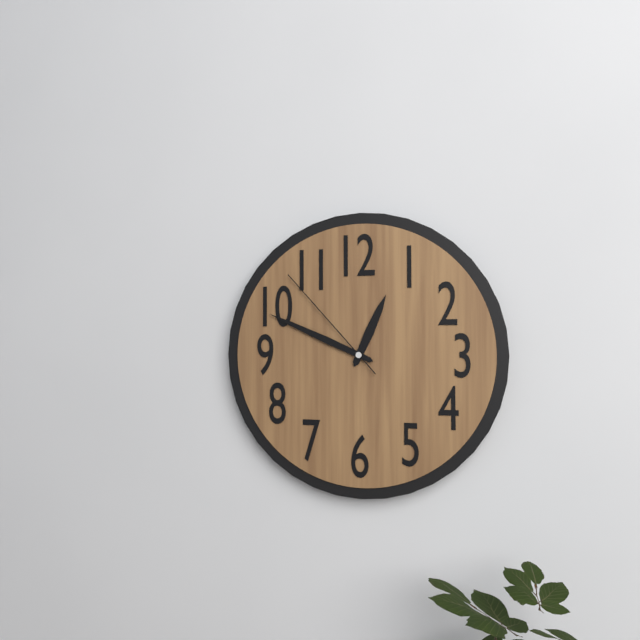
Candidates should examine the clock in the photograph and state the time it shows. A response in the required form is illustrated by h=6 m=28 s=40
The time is h=12 m=49 s=53
